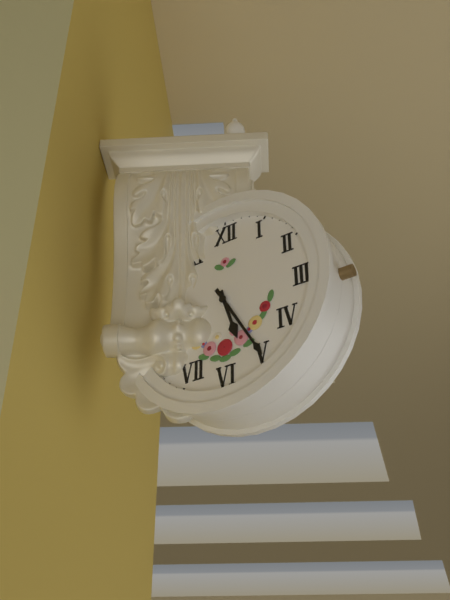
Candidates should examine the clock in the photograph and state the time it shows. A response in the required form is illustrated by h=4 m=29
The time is h=5 m=25
